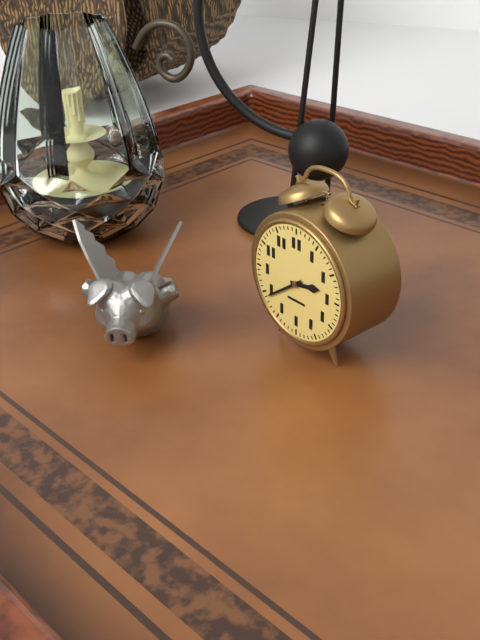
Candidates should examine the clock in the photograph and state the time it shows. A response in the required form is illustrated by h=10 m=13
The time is h=2 m=39
